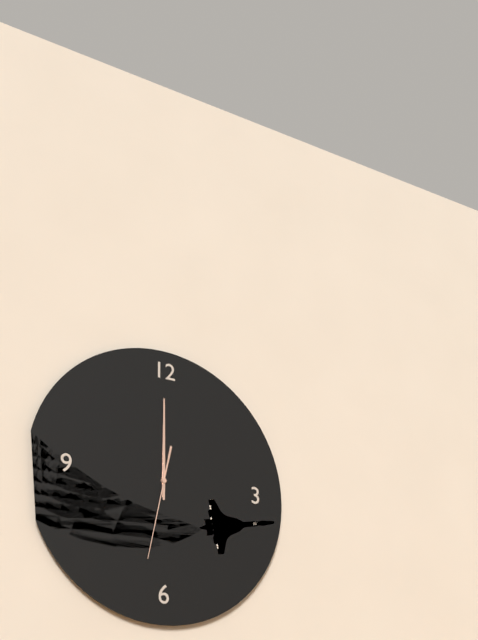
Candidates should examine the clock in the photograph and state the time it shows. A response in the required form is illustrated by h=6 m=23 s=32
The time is h=12 m=0 s=32
